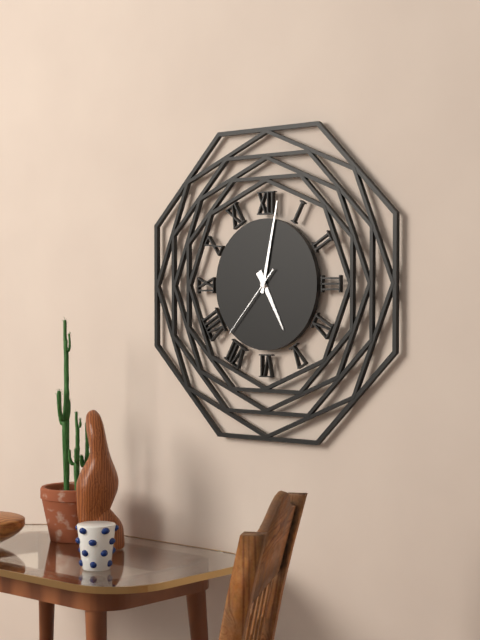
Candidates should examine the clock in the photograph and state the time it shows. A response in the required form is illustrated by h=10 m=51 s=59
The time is h=5 m=2 s=37
